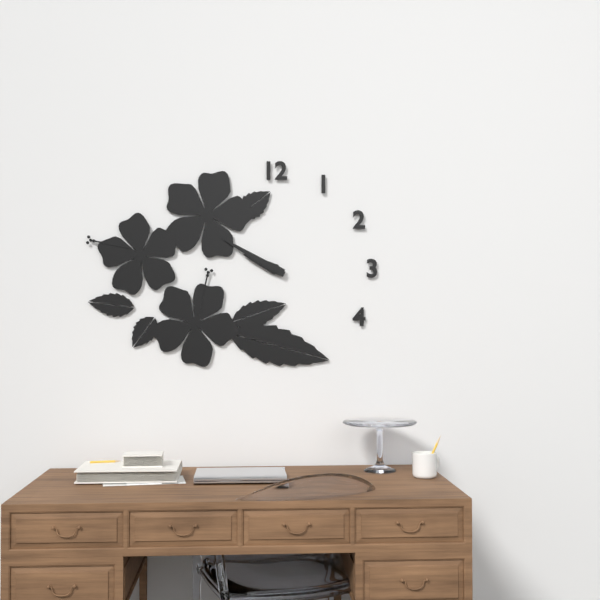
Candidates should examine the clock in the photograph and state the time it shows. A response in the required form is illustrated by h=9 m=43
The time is h=9 m=50
